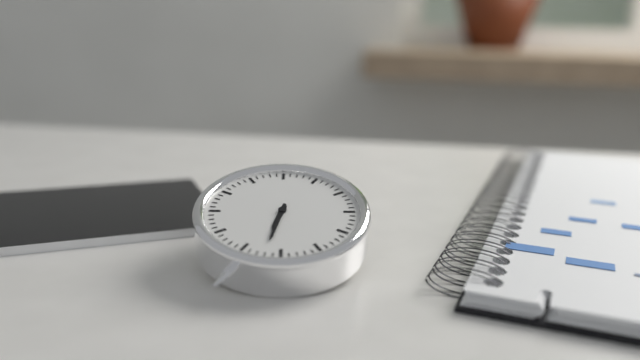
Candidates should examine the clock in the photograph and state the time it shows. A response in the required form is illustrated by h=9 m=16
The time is h=6 m=32
